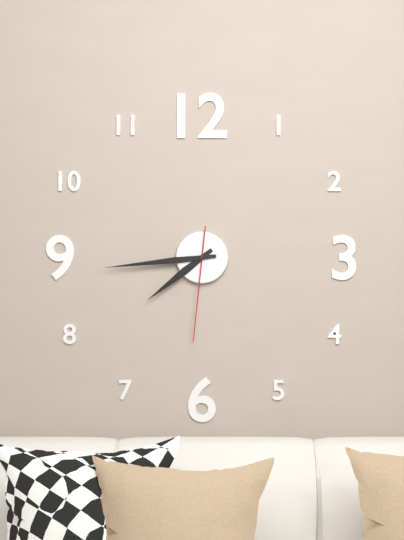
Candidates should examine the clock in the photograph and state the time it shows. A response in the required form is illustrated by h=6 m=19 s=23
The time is h=7 m=44 s=31
